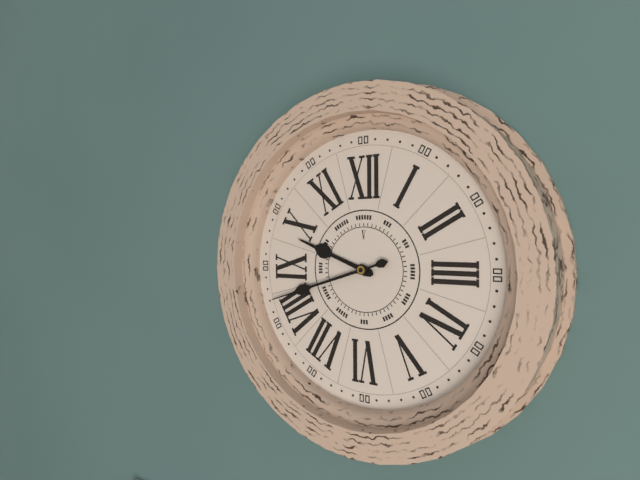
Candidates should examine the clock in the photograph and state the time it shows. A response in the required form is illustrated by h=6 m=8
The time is h=9 m=42
